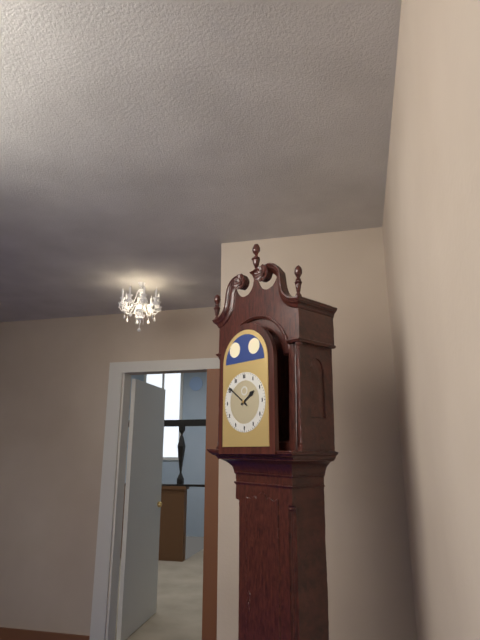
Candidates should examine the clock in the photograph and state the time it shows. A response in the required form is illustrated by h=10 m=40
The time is h=1 m=51
